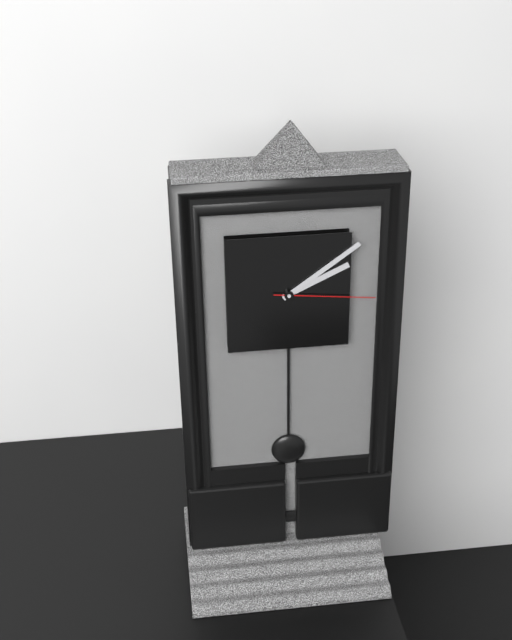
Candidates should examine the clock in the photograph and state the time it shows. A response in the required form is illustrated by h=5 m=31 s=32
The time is h=2 m=9 s=16
